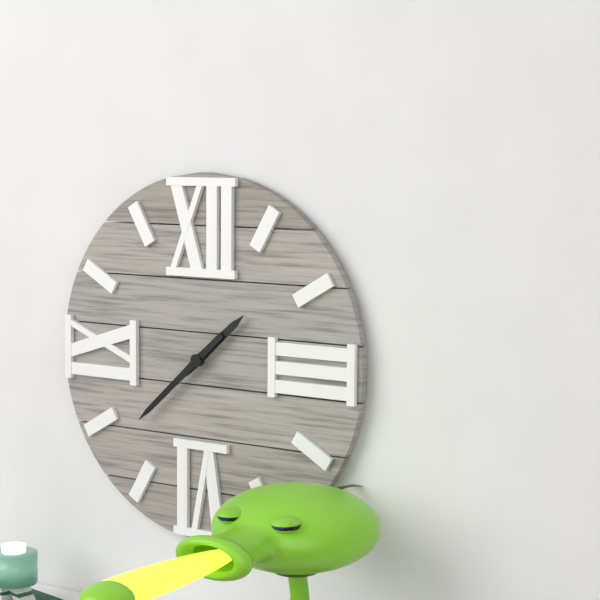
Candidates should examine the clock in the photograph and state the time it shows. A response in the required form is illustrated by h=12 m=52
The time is h=1 m=38
